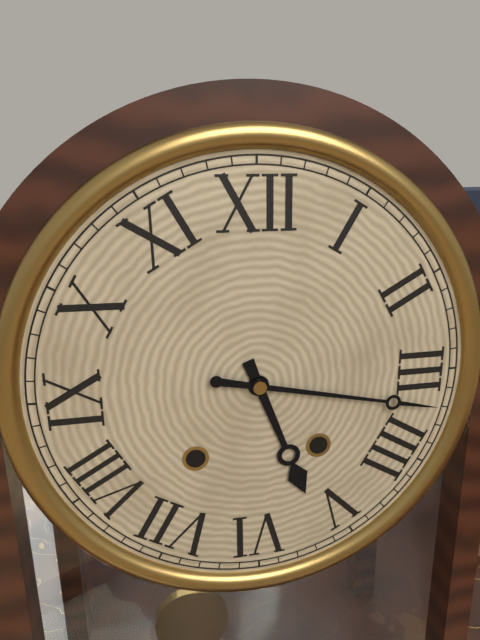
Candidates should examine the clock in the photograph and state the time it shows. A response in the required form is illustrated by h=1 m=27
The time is h=5 m=17
